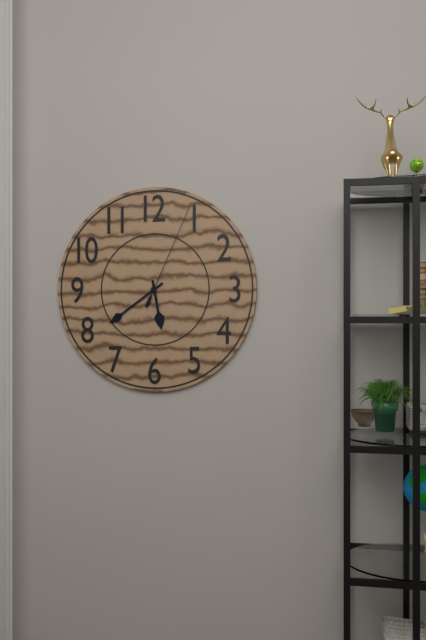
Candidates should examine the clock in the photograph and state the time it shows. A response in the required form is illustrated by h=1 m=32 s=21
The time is h=5 m=39 s=4
